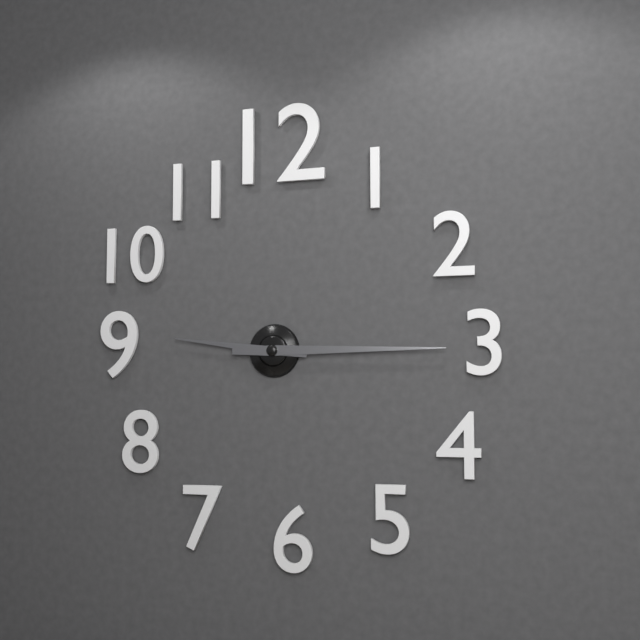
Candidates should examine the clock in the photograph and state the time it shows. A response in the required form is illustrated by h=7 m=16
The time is h=9 m=15
